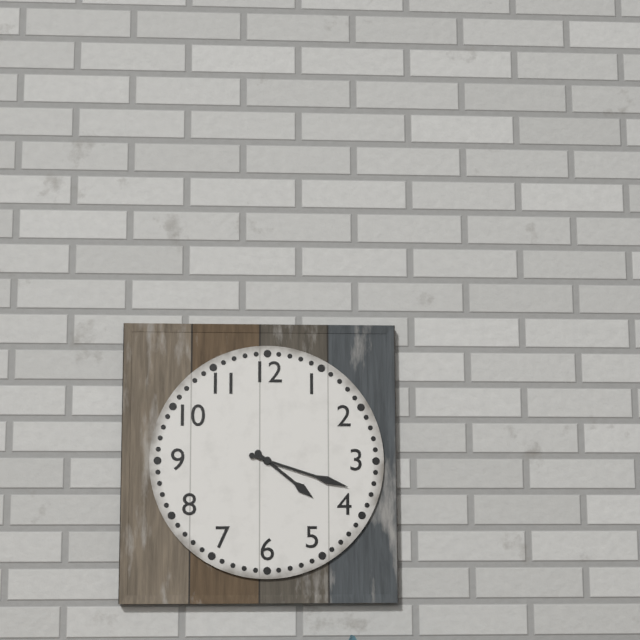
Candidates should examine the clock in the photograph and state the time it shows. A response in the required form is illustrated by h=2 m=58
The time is h=4 m=18
